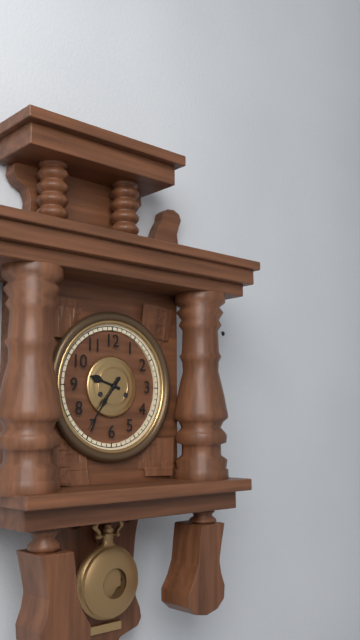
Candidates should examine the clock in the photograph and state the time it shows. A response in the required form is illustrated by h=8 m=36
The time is h=9 m=36
